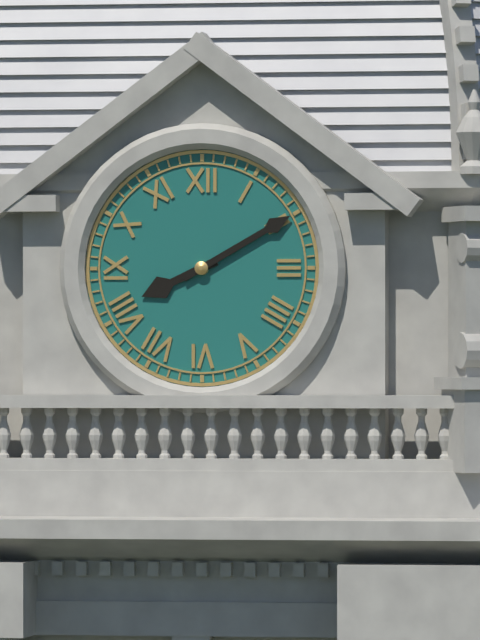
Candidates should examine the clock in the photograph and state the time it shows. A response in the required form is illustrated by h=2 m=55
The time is h=8 m=10
